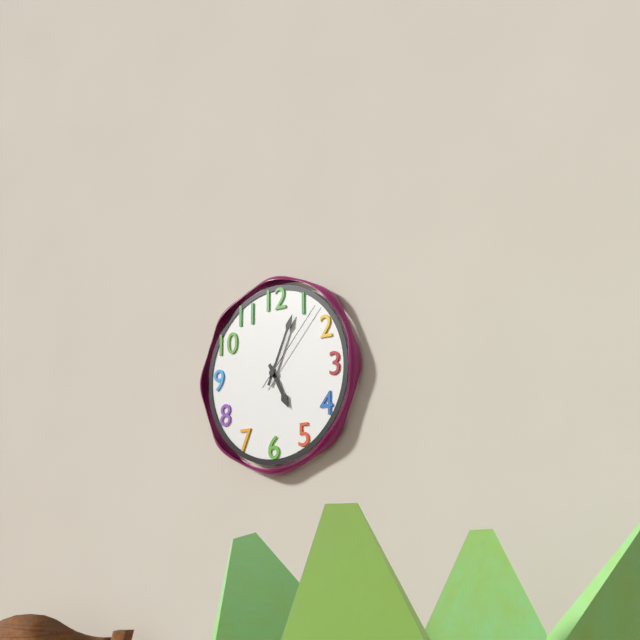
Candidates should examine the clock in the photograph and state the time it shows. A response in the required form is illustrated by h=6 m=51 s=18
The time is h=5 m=4 s=7
